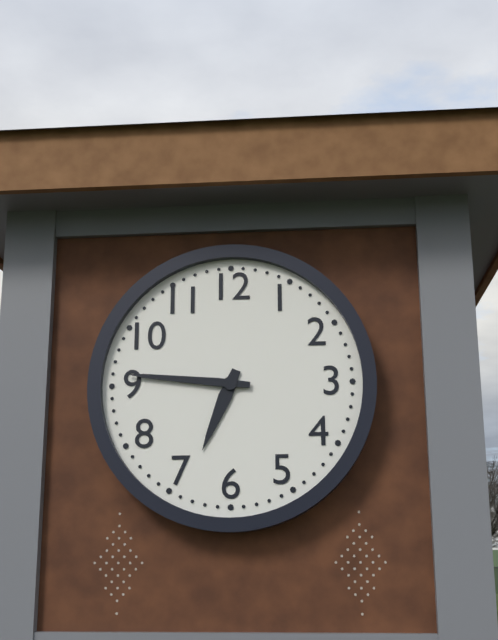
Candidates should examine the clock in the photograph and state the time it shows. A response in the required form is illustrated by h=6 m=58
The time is h=6 m=46
